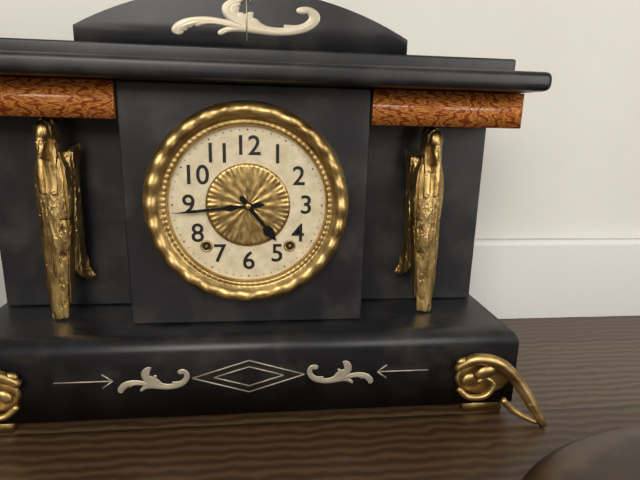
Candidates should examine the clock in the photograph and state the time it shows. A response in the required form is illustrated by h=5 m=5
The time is h=4 m=44
